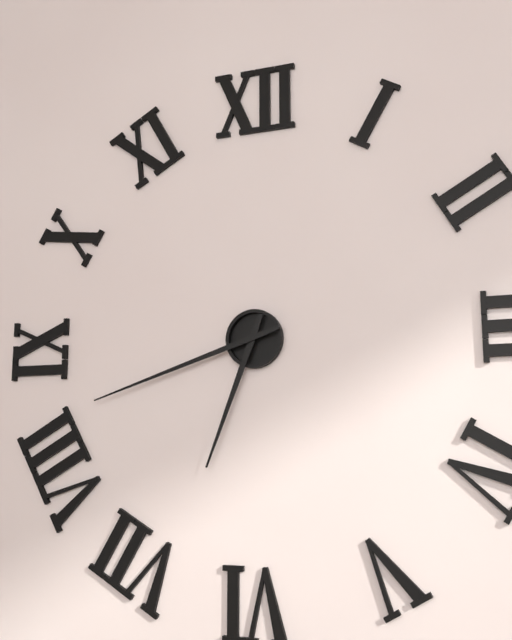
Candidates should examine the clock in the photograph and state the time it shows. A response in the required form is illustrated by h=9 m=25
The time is h=6 m=42
